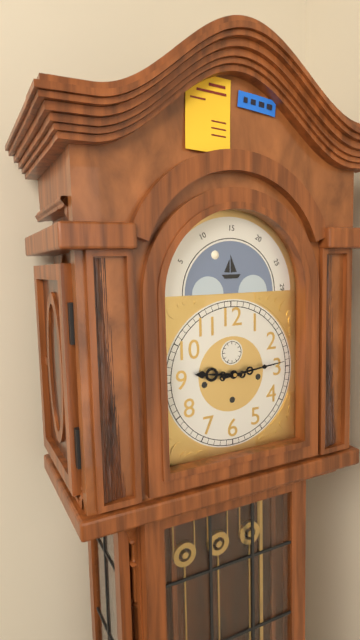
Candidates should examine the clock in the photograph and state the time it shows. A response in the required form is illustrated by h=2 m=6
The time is h=9 m=14
